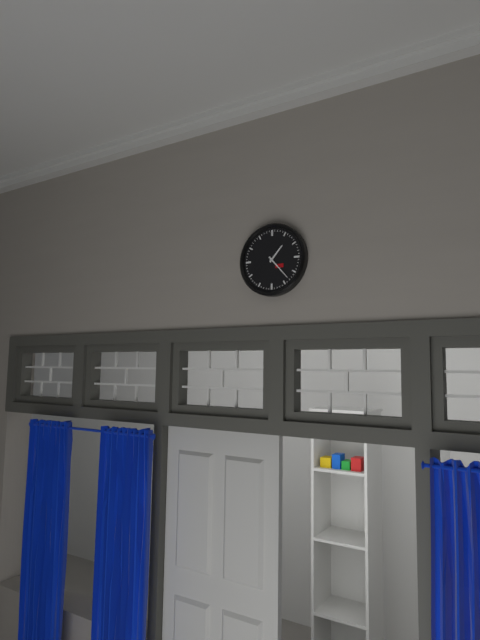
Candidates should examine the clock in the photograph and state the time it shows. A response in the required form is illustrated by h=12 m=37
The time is h=1 m=23
